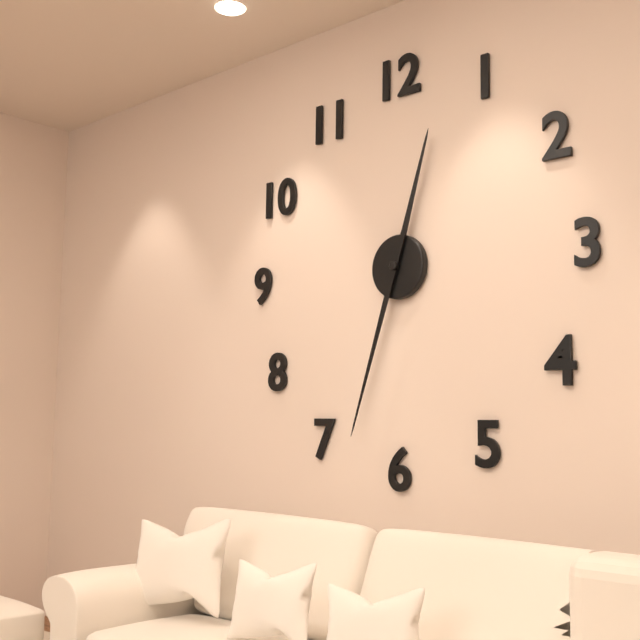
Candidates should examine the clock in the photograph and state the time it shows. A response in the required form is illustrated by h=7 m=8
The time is h=12 m=33
